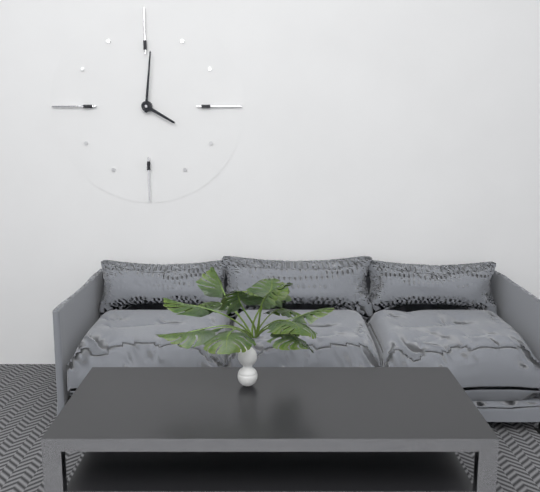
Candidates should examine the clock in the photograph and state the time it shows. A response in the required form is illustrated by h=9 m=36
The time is h=4 m=1
